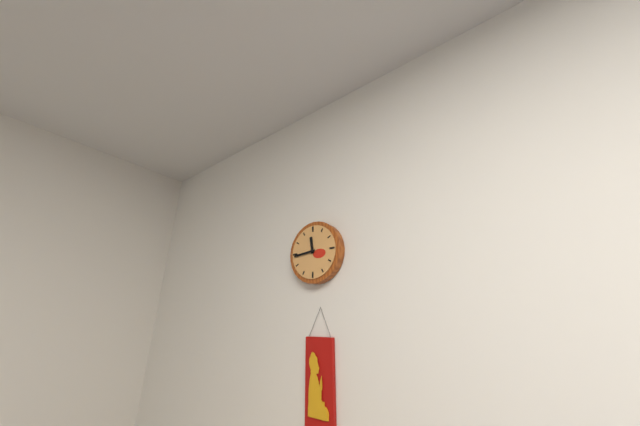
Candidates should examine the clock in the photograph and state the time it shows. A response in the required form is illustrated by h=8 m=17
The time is h=11 m=44
